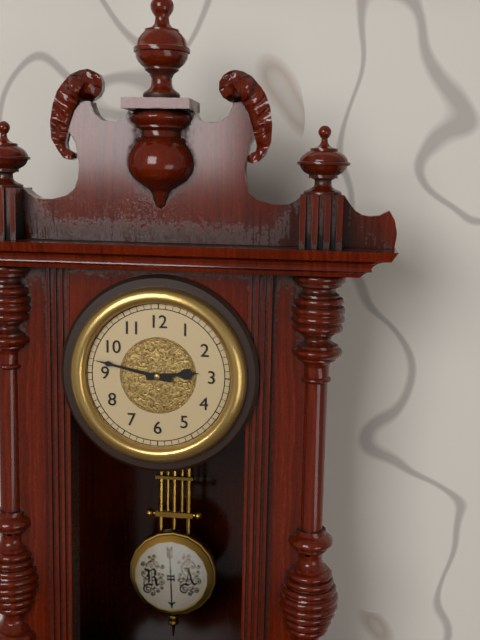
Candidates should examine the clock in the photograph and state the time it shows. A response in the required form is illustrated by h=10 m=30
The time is h=2 m=47
